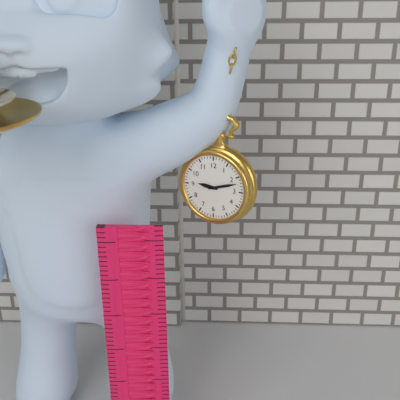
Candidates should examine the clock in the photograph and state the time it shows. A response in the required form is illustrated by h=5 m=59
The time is h=9 m=12
